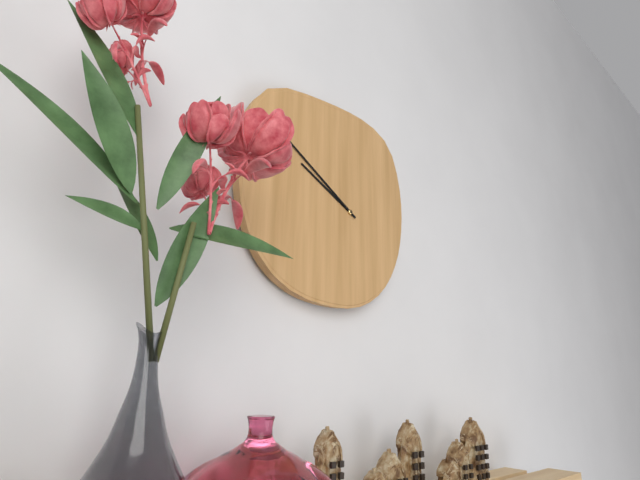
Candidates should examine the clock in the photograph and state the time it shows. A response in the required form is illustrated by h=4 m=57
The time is h=9 m=50
